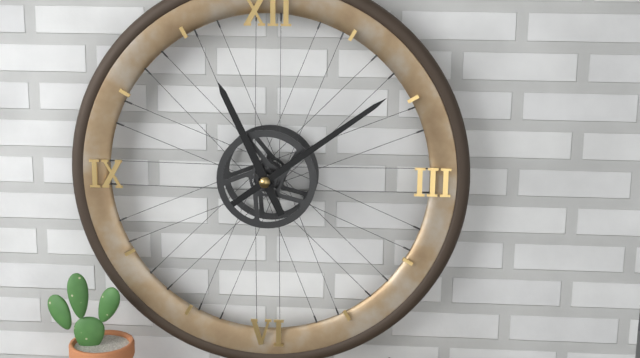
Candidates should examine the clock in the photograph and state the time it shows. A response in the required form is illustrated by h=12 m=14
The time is h=11 m=9
